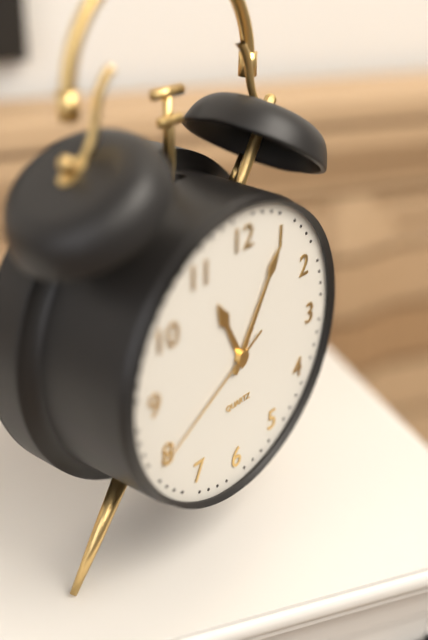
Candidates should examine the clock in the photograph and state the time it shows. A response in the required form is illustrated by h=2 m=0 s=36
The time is h=11 m=5 s=40
